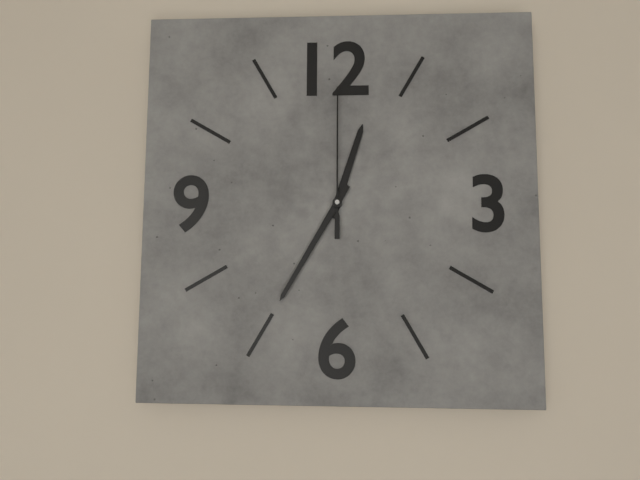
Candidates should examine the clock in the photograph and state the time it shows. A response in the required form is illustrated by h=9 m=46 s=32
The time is h=12 m=35 s=0
